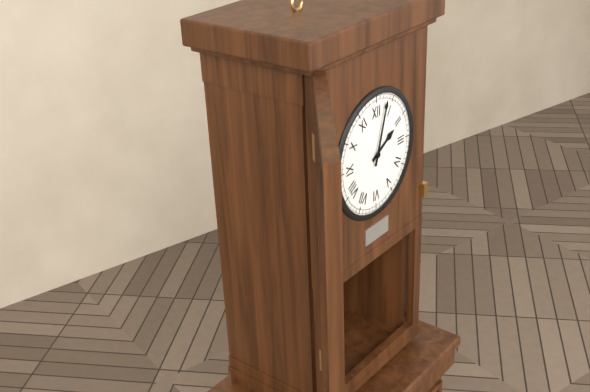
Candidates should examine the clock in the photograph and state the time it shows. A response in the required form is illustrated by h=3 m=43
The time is h=2 m=3
